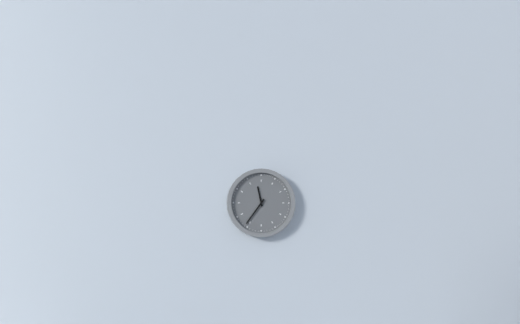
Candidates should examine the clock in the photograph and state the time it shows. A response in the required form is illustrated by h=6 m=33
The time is h=11 m=36
